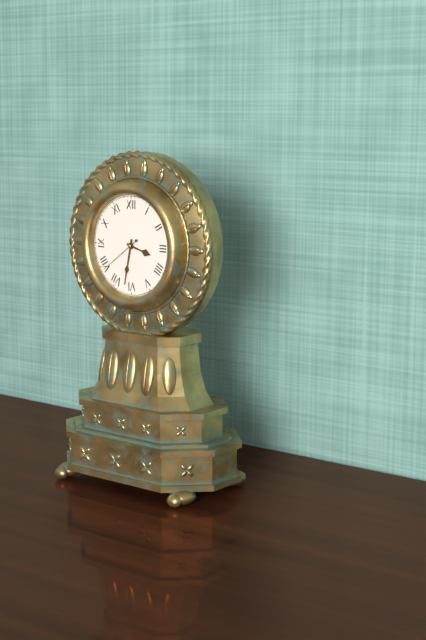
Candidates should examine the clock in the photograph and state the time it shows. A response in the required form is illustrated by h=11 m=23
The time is h=3 m=32
